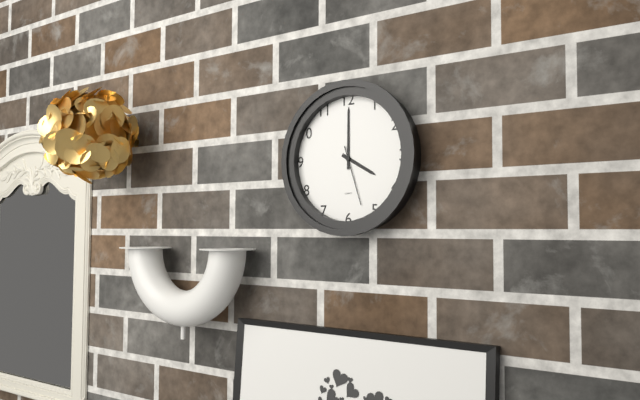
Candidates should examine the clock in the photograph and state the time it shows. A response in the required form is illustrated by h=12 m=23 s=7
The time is h=4 m=0 s=27
